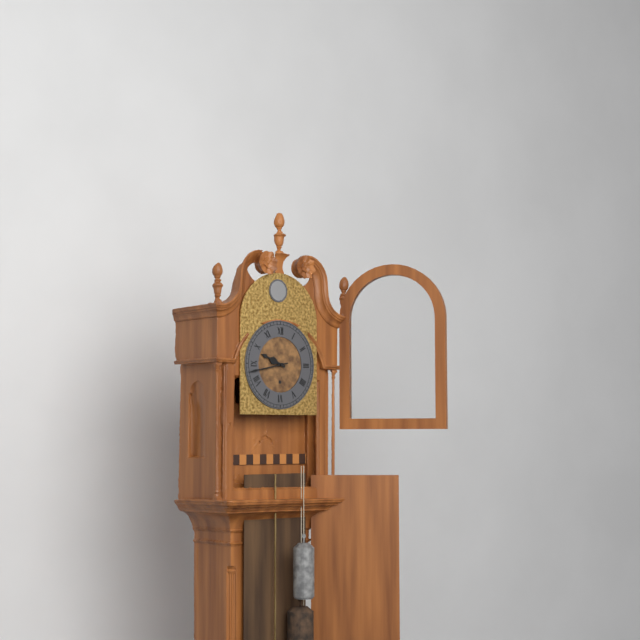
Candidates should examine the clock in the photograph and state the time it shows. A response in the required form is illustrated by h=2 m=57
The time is h=9 m=43
